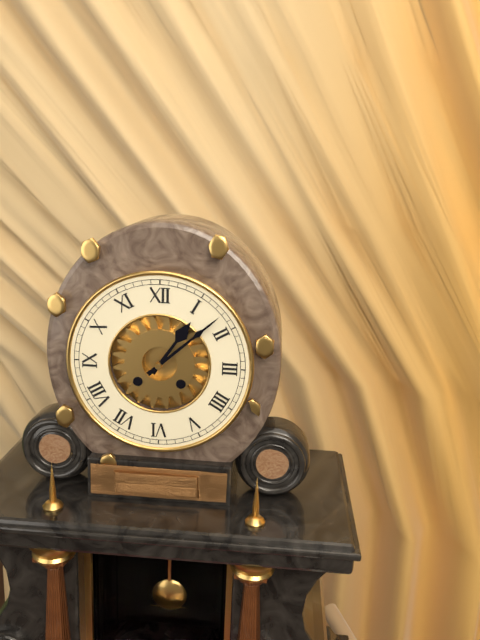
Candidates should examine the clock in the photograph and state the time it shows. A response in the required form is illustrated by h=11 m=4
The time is h=1 m=8
